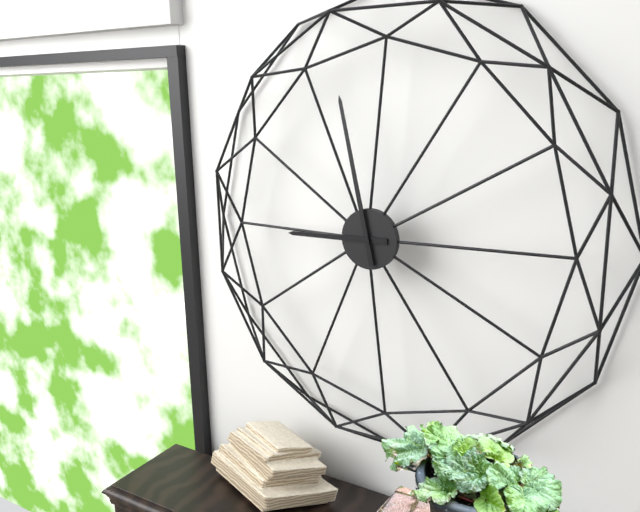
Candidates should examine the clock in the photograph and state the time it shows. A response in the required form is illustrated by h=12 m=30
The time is h=8 m=58
